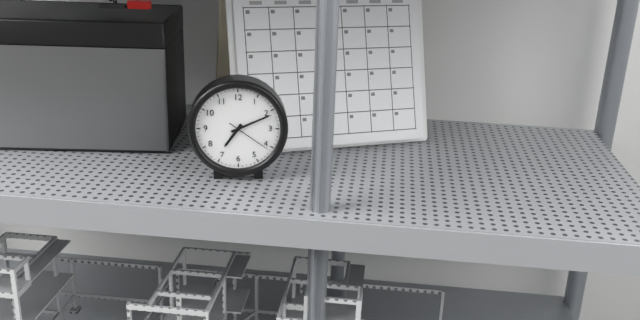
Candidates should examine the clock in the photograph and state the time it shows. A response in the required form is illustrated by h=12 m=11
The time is h=7 m=11
